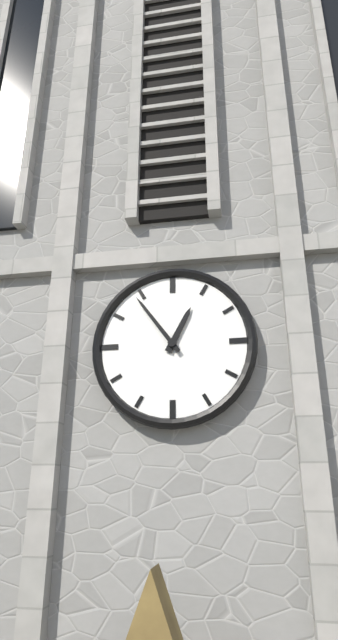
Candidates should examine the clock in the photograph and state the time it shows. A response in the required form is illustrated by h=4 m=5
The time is h=12 m=54
